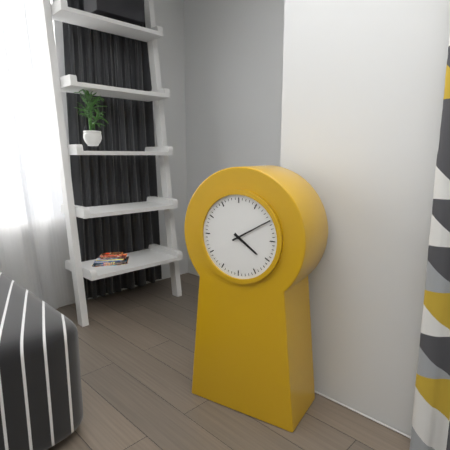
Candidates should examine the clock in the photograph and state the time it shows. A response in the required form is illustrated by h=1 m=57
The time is h=4 m=10
